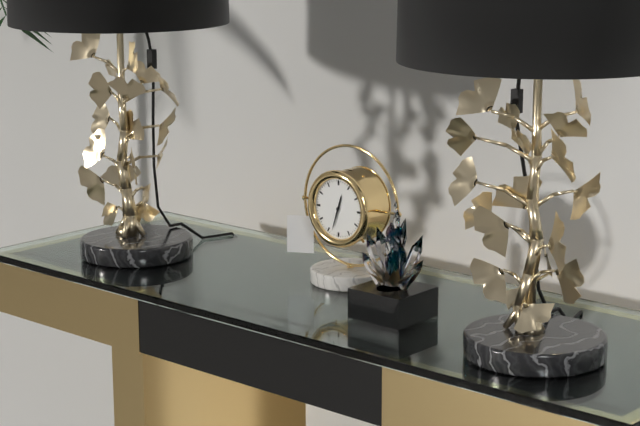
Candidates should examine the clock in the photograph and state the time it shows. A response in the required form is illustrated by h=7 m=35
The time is h=12 m=33
